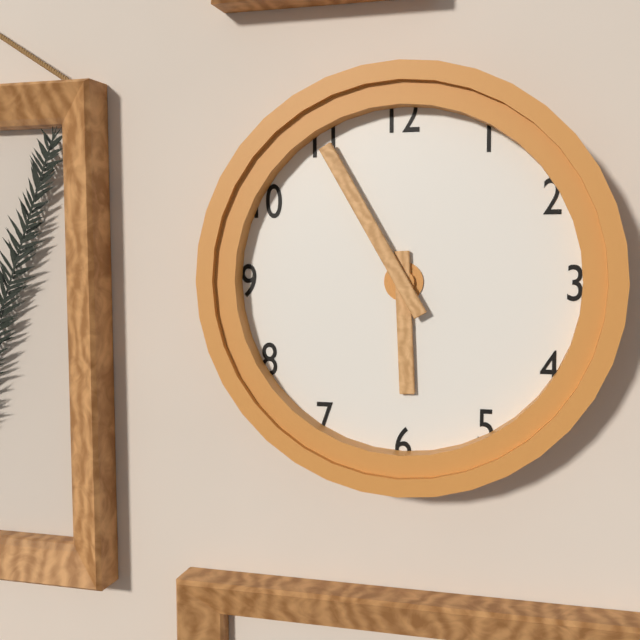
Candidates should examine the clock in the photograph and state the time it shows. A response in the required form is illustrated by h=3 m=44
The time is h=5 m=55
